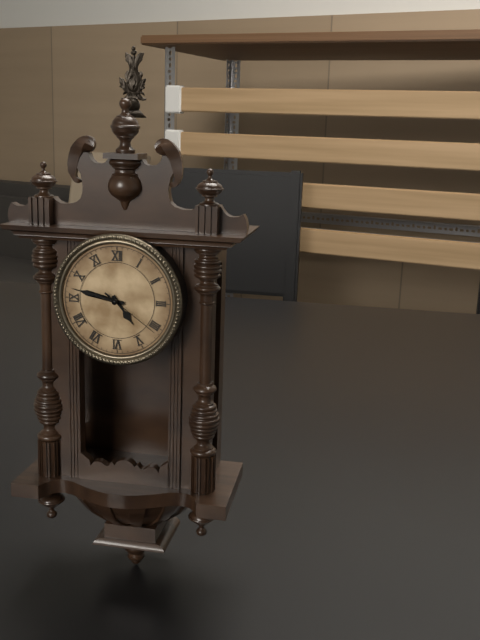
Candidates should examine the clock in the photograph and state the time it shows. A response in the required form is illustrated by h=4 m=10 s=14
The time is h=4 m=47 s=21
